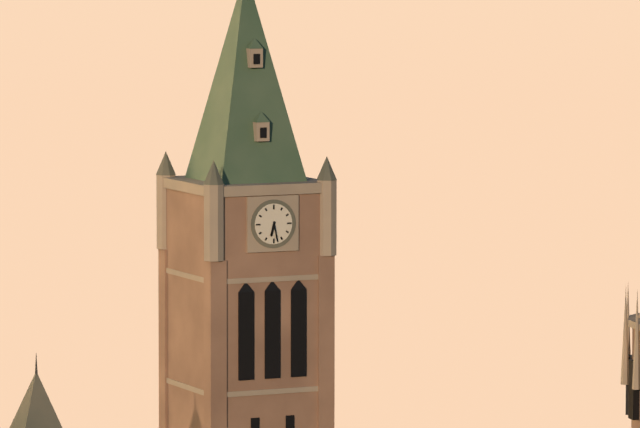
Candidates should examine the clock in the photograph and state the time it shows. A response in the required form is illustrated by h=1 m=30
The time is h=6 m=28
